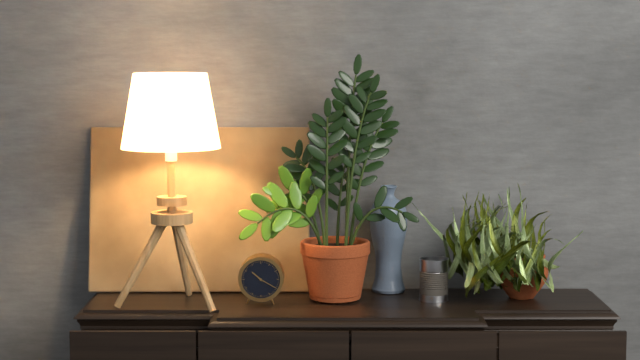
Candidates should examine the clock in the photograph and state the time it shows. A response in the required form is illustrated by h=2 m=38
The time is h=10 m=20
